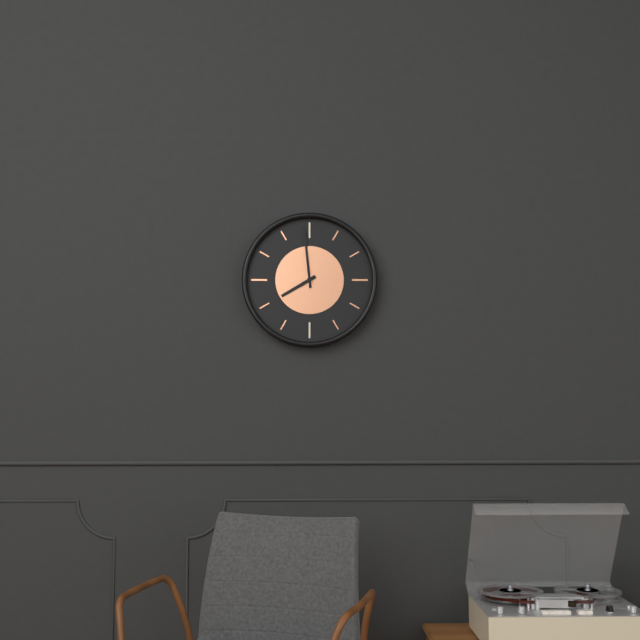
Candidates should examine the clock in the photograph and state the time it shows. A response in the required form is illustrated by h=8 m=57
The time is h=7 m=59
